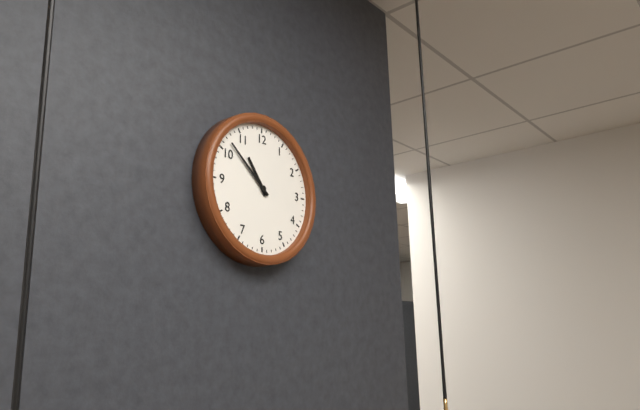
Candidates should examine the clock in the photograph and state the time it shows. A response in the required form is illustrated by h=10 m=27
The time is h=10 m=52
